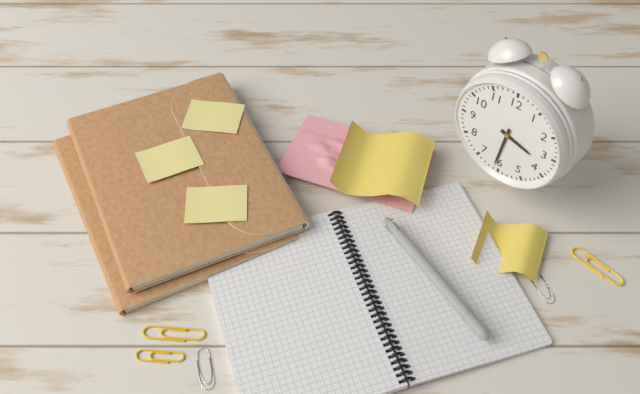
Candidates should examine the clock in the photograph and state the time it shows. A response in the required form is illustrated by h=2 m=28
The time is h=3 m=31
